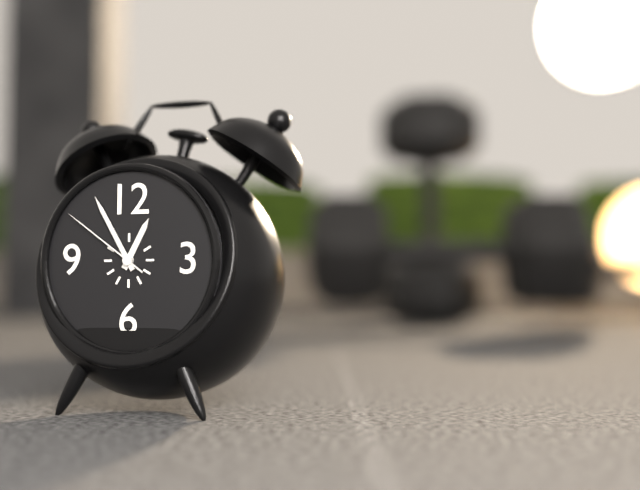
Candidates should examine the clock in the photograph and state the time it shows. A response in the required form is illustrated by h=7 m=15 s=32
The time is h=12 m=55 s=51
